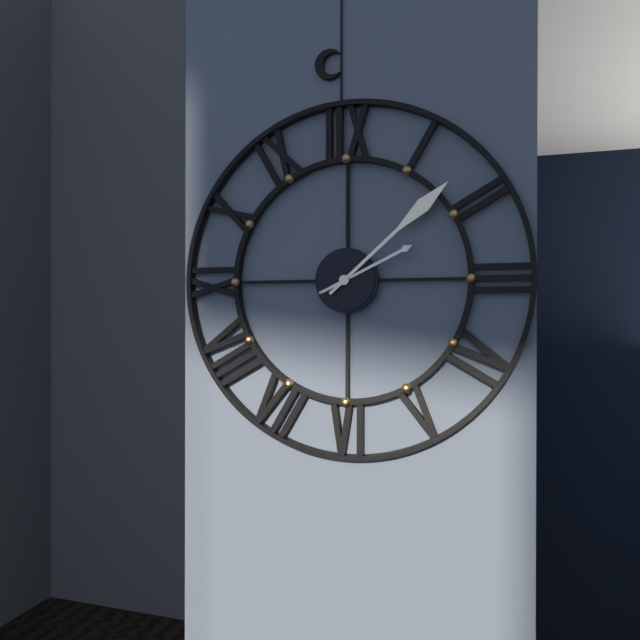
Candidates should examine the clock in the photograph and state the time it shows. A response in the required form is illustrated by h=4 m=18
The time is h=2 m=8
